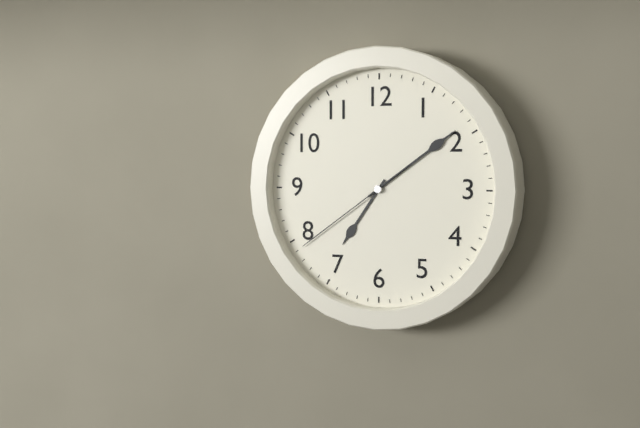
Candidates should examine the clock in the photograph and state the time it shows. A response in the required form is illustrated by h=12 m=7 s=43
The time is h=7 m=9 s=39
